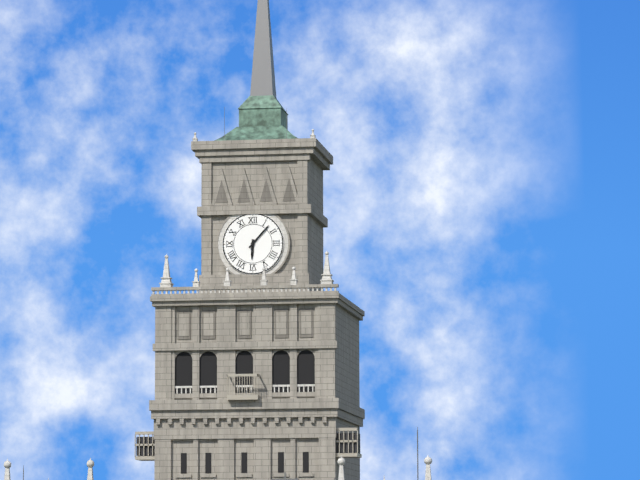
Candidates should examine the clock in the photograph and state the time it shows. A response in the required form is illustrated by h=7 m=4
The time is h=6 m=7
